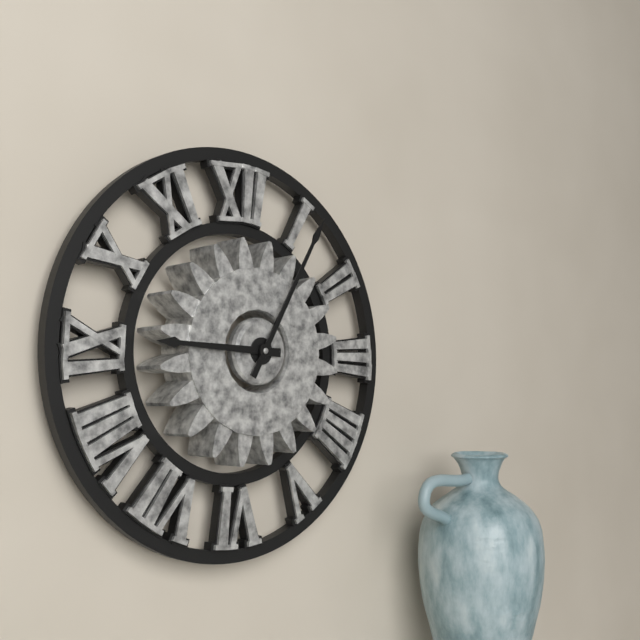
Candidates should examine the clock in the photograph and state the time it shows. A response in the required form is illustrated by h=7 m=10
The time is h=9 m=5
